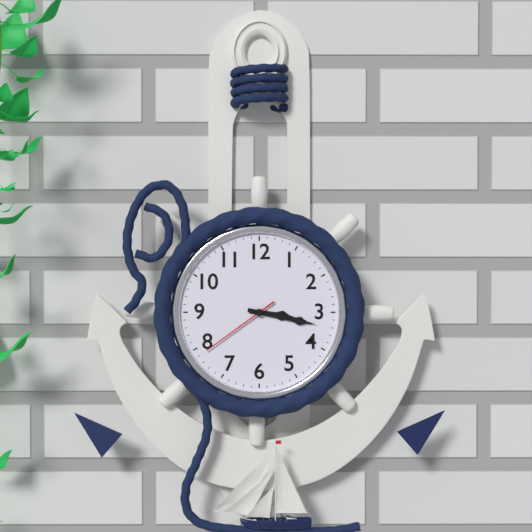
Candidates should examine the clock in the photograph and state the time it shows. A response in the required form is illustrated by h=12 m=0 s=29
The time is h=3 m=17 s=39
